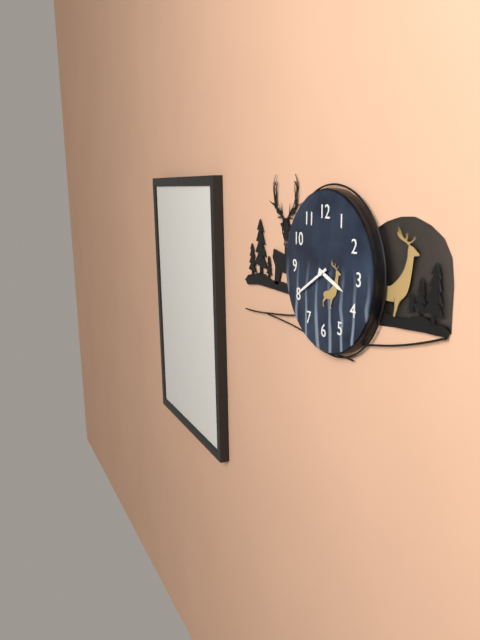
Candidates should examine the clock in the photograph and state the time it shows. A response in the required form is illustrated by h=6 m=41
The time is h=3 m=40
